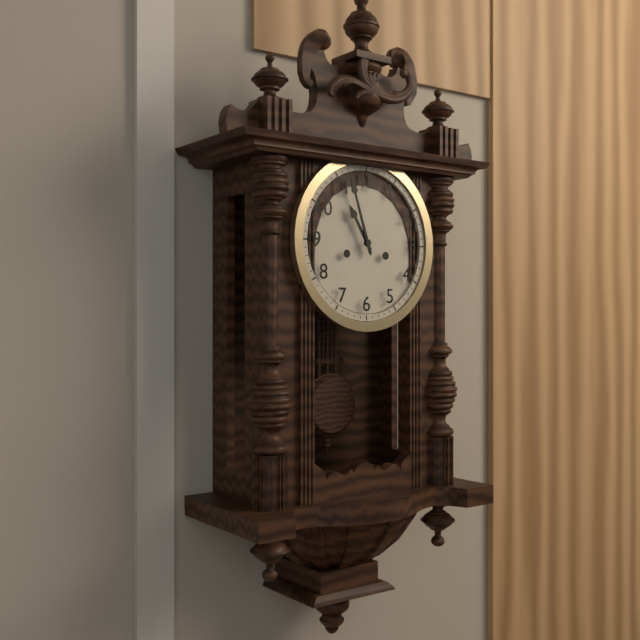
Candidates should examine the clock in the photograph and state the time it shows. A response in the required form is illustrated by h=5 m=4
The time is h=10 m=57
